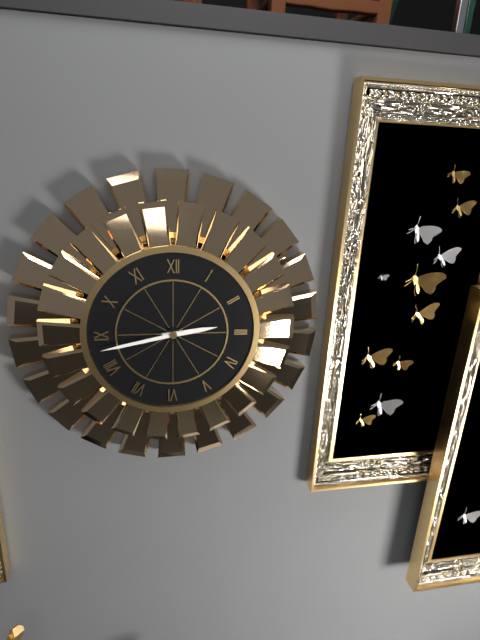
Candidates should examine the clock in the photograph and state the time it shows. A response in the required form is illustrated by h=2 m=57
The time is h=2 m=43
